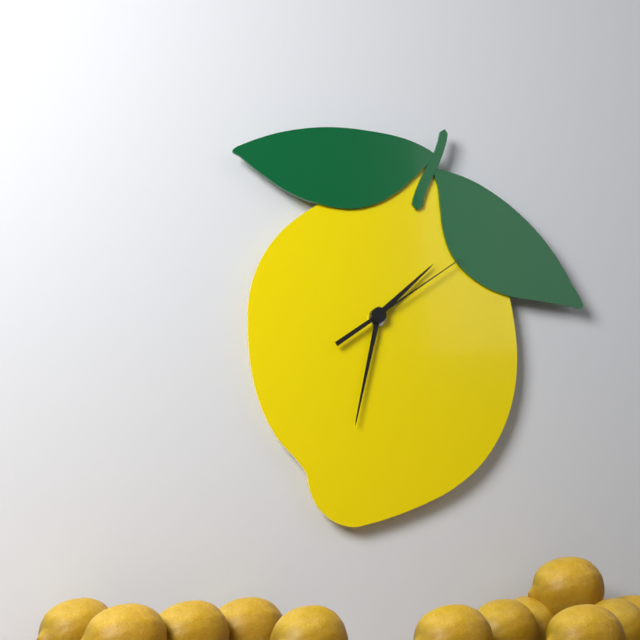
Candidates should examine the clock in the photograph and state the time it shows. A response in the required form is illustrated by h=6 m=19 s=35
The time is h=1 m=32 s=9
